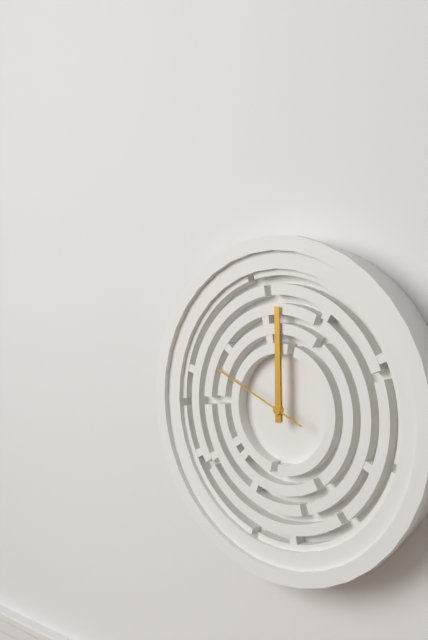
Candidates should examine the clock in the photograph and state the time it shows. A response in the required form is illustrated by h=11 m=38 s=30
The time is h=12 m=0 s=49
